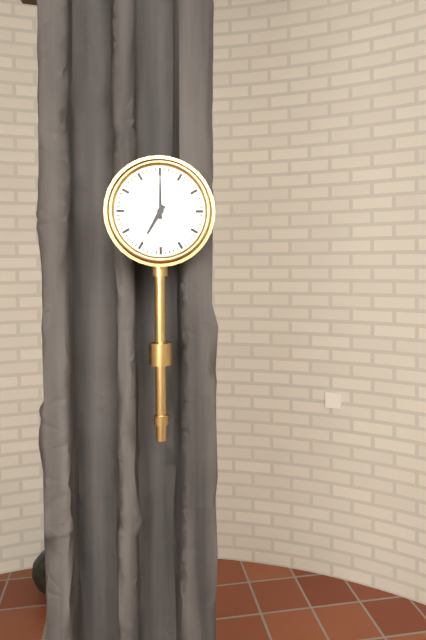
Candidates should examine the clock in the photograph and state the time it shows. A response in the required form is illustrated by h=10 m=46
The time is h=7 m=0
